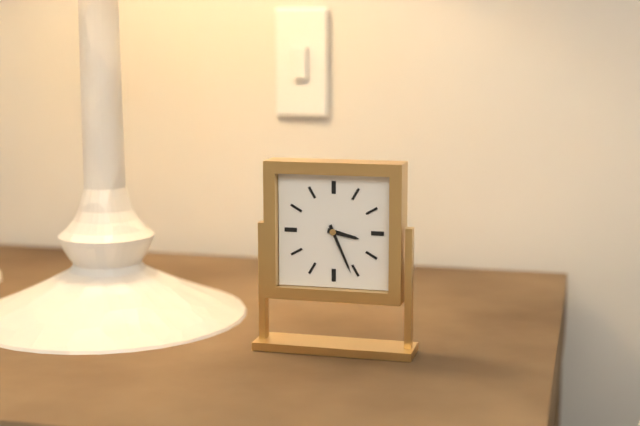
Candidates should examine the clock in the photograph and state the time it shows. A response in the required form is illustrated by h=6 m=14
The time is h=3 m=26
